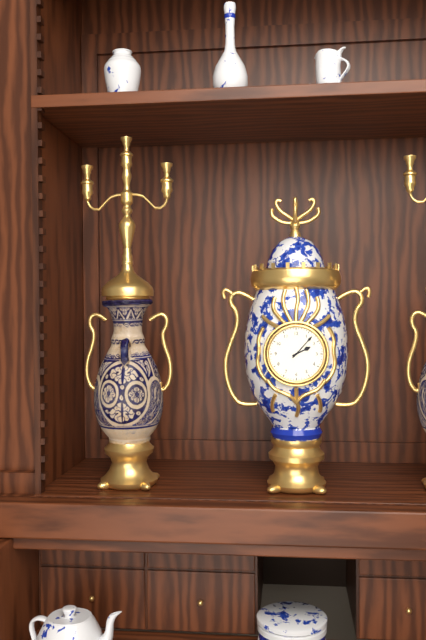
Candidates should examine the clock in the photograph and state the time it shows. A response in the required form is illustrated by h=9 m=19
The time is h=2 m=7
